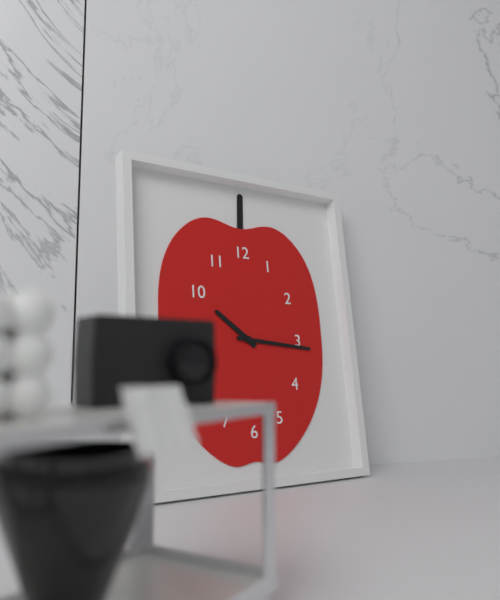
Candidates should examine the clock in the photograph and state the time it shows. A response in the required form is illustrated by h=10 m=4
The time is h=10 m=16
